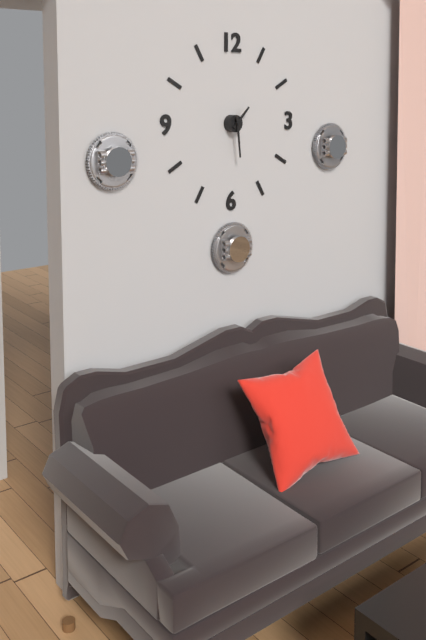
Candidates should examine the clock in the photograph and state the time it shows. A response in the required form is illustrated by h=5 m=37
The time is h=1 m=29
